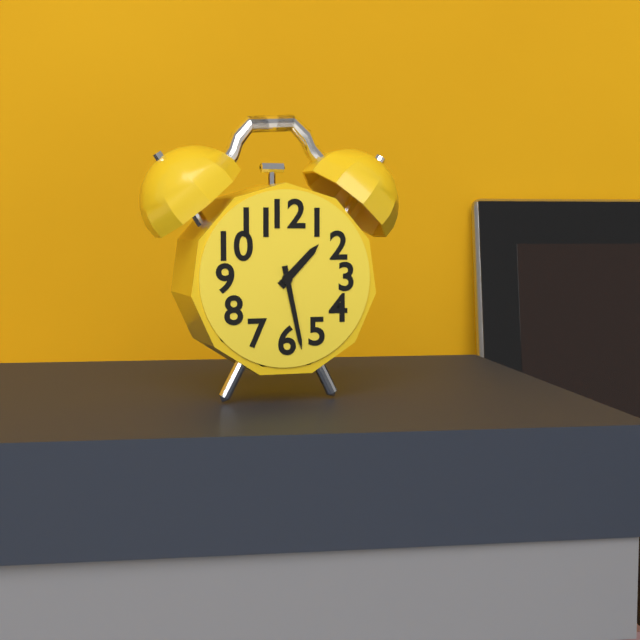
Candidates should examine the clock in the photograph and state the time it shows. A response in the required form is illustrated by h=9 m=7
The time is h=1 m=28
